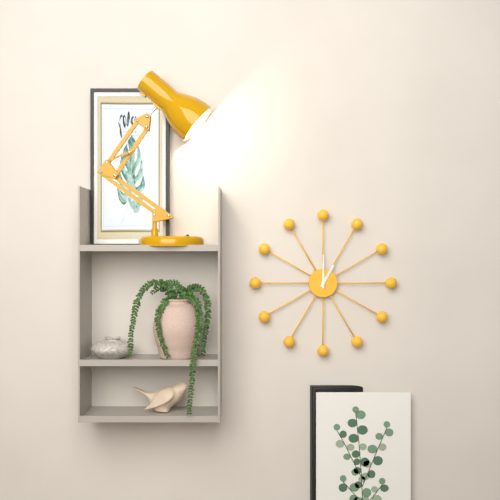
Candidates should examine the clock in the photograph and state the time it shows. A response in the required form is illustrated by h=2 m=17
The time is h=1 m=0
